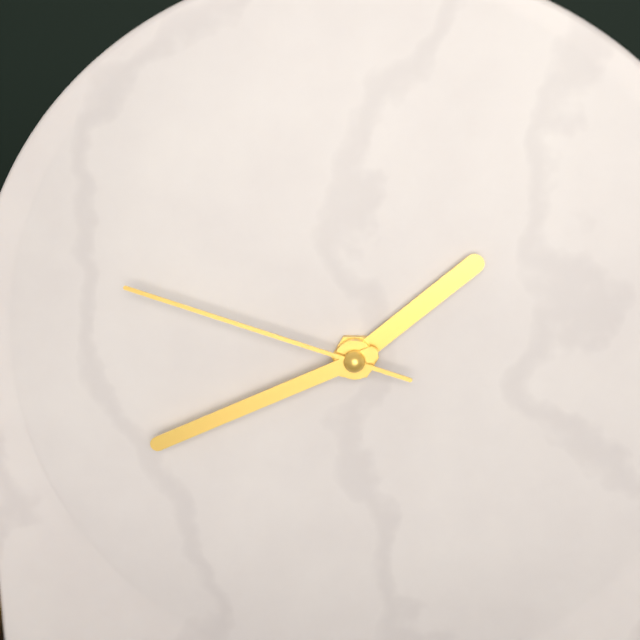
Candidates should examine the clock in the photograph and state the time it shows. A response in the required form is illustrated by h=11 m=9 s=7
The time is h=1 m=41 s=48
